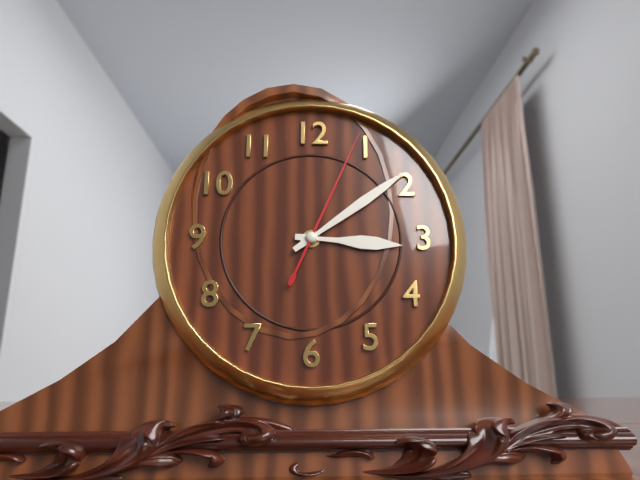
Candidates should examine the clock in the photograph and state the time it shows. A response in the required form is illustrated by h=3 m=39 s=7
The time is h=3 m=9 s=4
